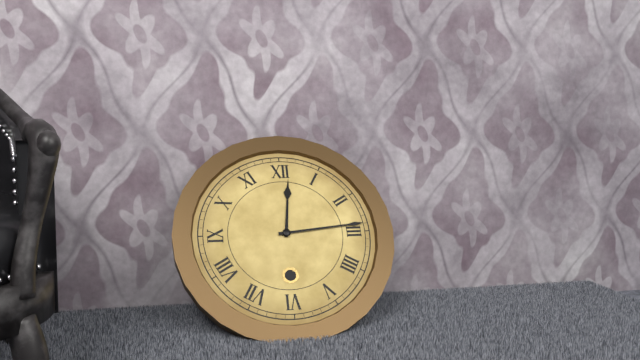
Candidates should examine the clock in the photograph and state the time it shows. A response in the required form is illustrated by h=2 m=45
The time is h=12 m=14
